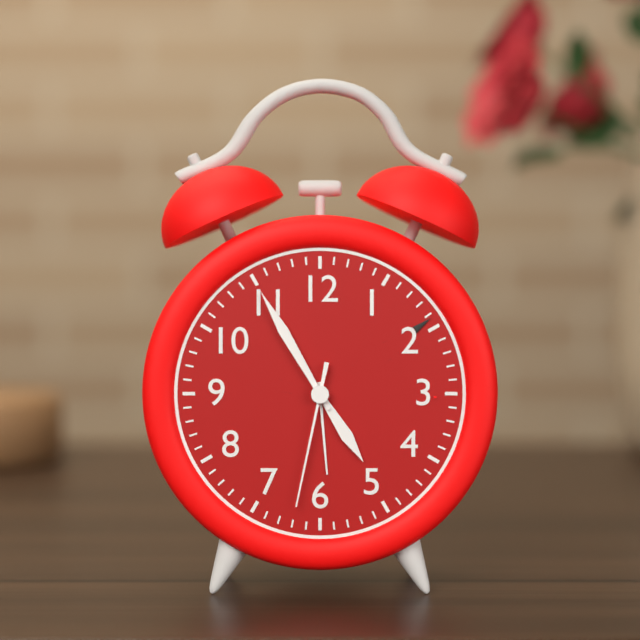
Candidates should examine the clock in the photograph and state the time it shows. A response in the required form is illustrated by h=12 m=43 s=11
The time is h=4 m=55 s=32
